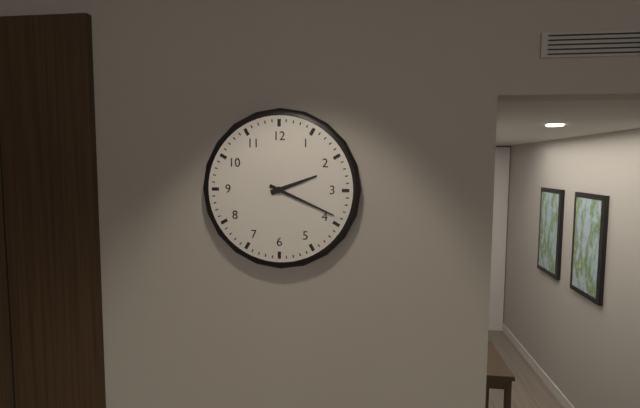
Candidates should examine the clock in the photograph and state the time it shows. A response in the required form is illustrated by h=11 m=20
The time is h=2 m=19
